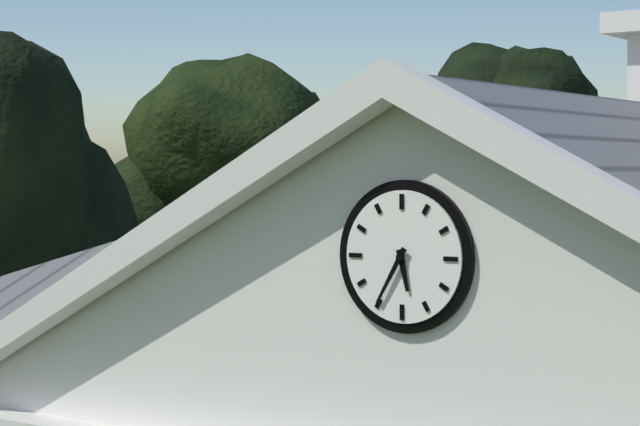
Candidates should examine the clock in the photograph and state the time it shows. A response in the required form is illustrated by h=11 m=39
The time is h=5 m=35
